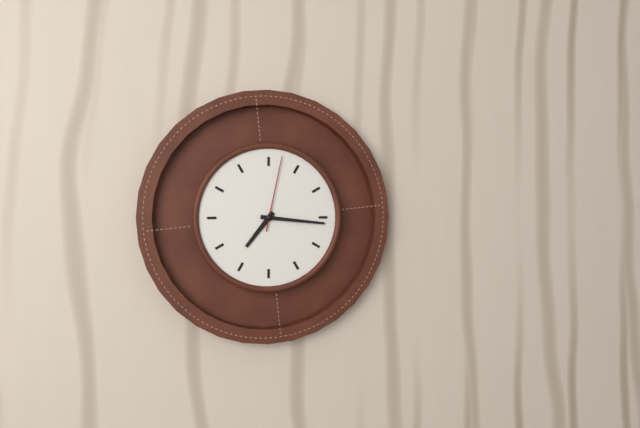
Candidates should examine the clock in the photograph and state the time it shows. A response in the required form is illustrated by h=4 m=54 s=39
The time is h=7 m=16 s=2
